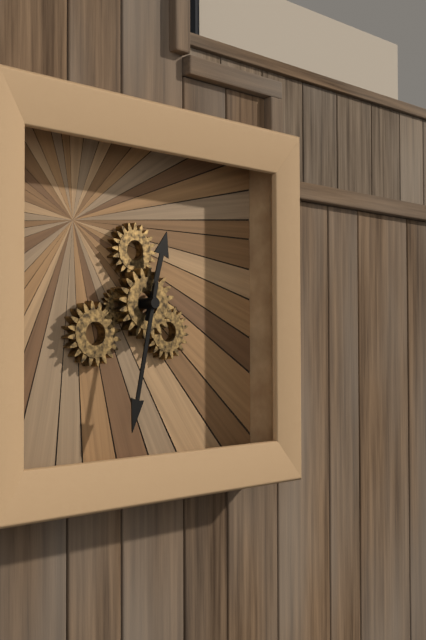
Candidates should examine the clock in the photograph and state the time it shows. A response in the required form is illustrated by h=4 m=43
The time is h=12 m=32
